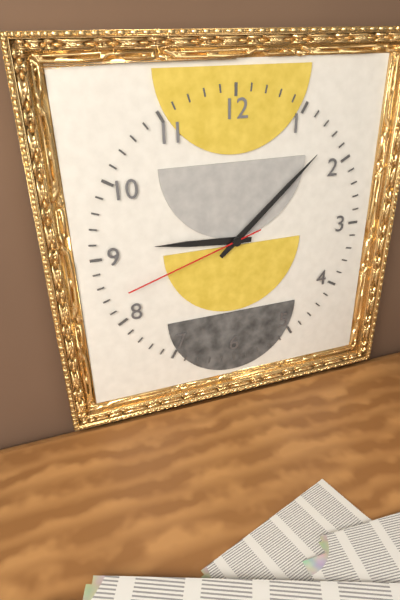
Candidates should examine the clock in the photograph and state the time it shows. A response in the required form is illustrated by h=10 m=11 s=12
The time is h=9 m=8 s=42
